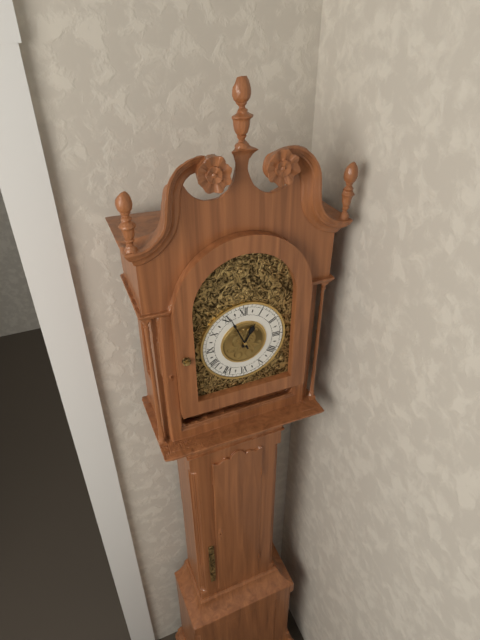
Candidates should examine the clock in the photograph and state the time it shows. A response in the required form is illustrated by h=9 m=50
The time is h=12 m=56
